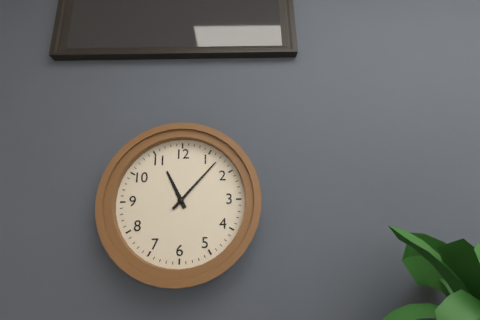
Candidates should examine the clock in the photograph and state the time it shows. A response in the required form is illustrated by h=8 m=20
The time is h=11 m=7
